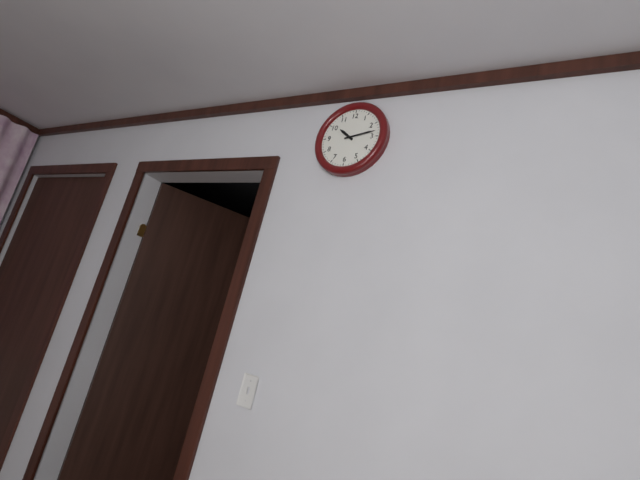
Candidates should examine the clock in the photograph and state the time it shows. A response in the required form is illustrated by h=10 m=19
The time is h=10 m=13
